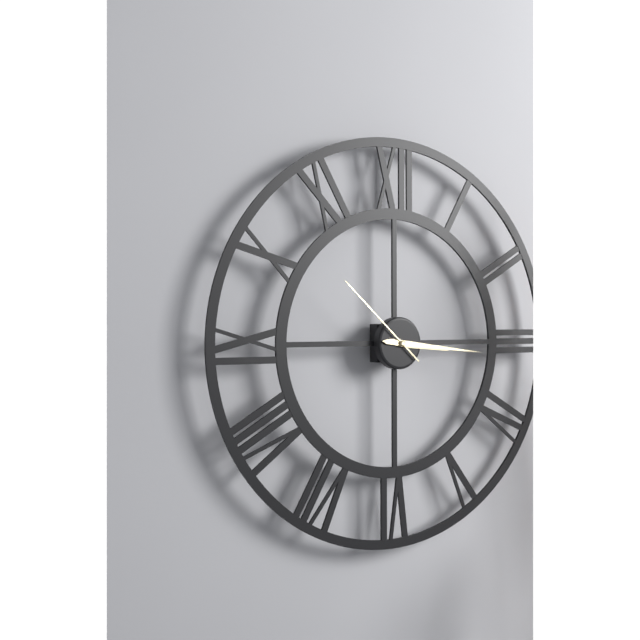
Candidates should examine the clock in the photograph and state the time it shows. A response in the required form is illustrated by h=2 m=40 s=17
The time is h=3 m=16 s=52
